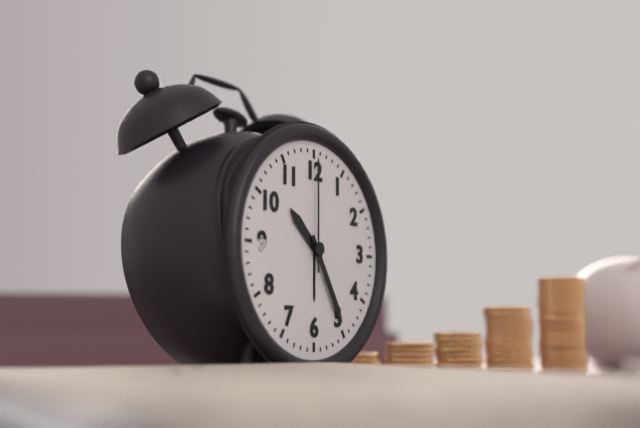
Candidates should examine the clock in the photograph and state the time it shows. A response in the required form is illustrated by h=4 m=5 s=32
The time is h=10 m=25 s=0
